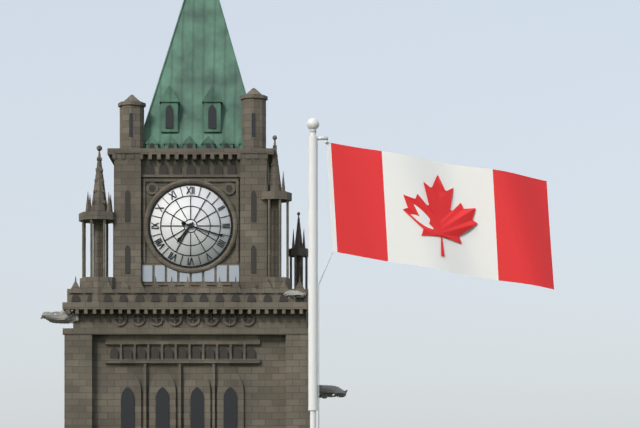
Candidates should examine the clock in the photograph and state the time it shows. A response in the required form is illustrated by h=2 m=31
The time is h=7 m=18
